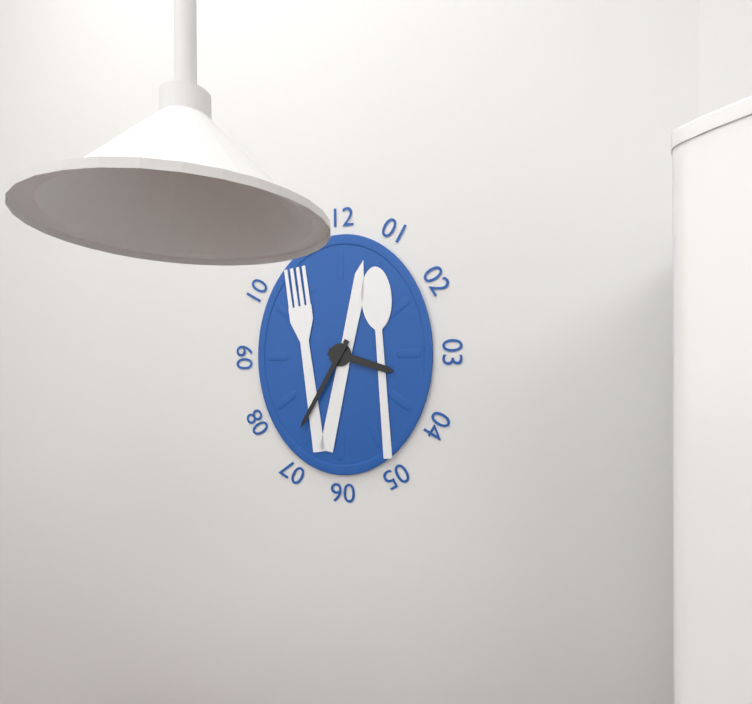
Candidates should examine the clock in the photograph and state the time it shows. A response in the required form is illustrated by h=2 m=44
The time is h=3 m=35
